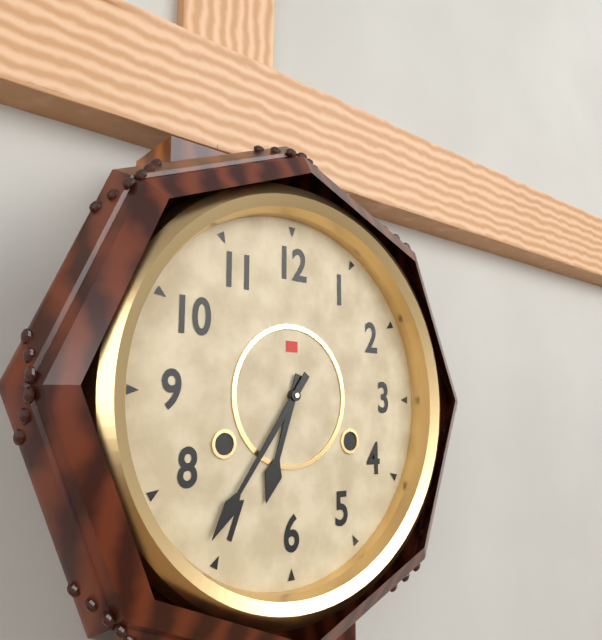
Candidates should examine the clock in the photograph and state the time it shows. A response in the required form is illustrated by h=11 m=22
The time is h=6 m=36
